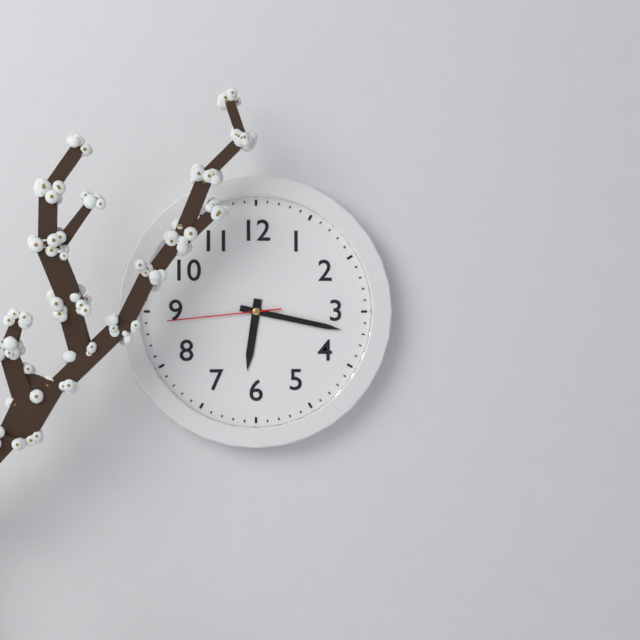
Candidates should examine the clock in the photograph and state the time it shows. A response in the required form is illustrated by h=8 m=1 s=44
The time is h=6 m=17 s=44
